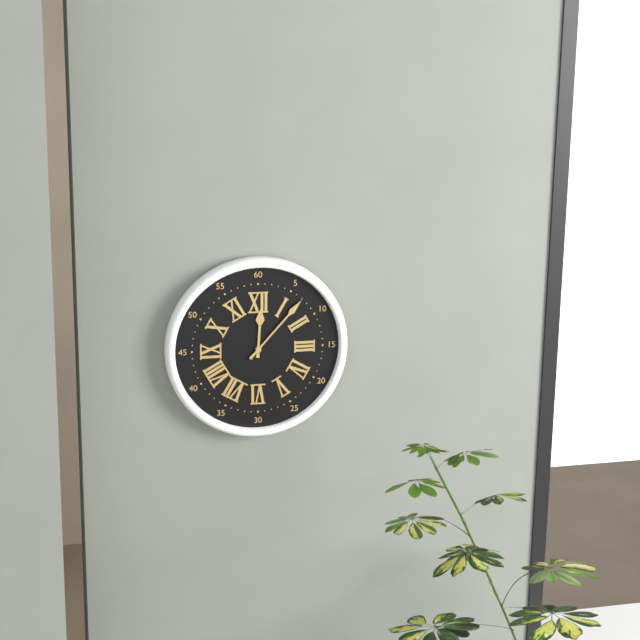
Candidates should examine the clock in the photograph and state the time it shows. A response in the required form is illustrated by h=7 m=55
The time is h=12 m=7
